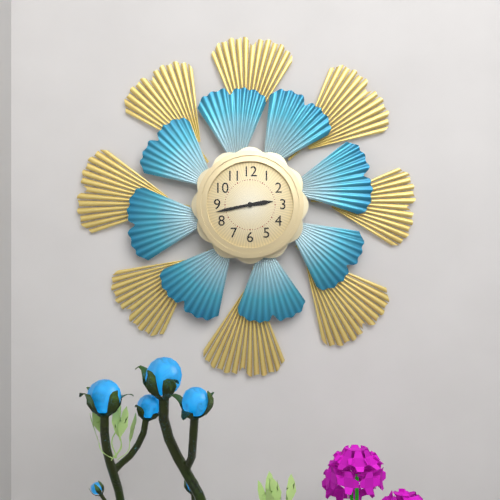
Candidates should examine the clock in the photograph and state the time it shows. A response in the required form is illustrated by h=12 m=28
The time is h=2 m=43
